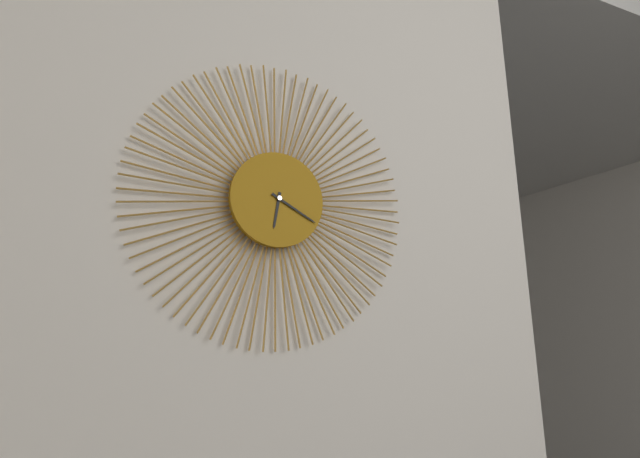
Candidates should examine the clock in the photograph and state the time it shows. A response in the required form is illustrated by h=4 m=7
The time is h=6 m=20
